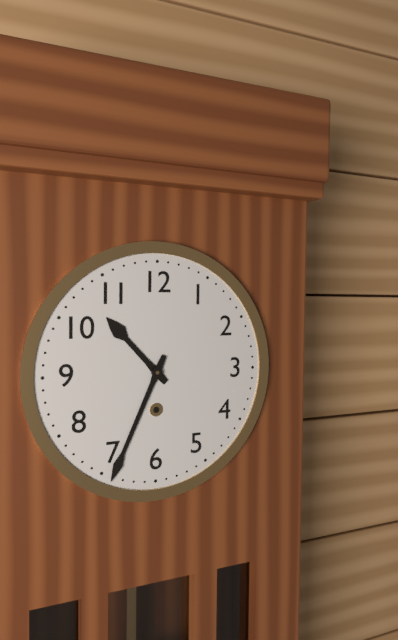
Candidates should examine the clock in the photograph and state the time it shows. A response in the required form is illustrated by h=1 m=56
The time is h=10 m=34
